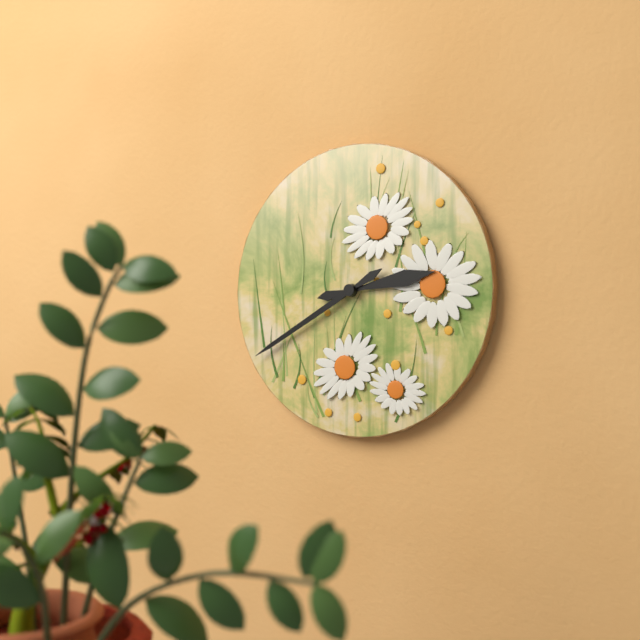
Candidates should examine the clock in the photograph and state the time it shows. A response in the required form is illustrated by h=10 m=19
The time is h=2 m=40
